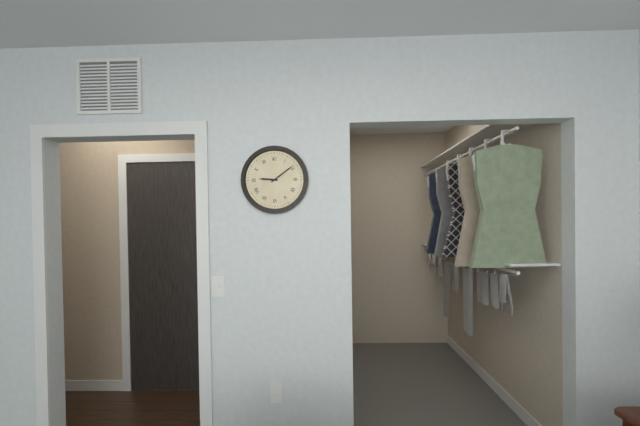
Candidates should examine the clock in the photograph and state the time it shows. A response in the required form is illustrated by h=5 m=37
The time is h=9 m=9
